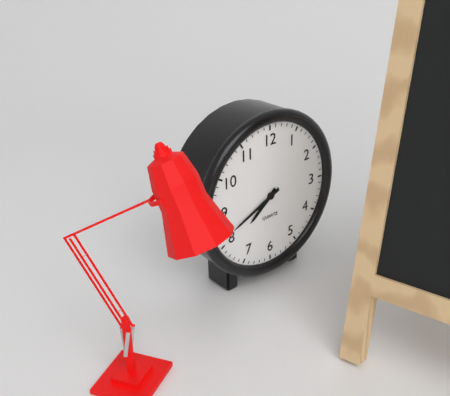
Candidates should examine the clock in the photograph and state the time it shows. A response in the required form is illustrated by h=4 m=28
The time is h=7 m=41
